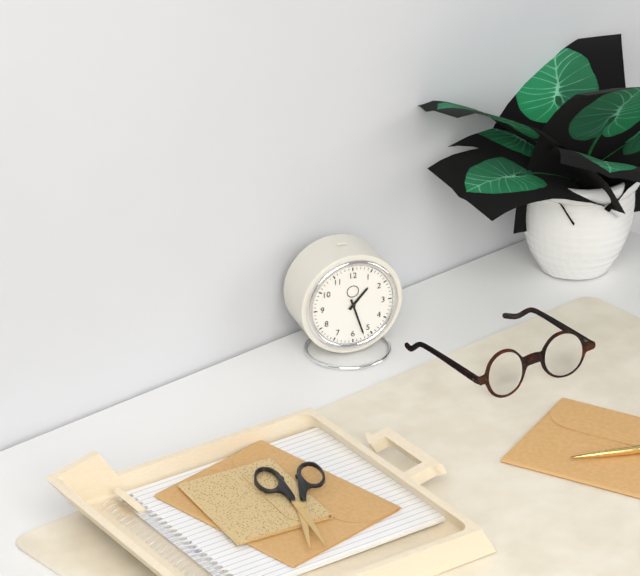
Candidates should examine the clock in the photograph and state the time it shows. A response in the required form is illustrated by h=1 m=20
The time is h=1 m=27
